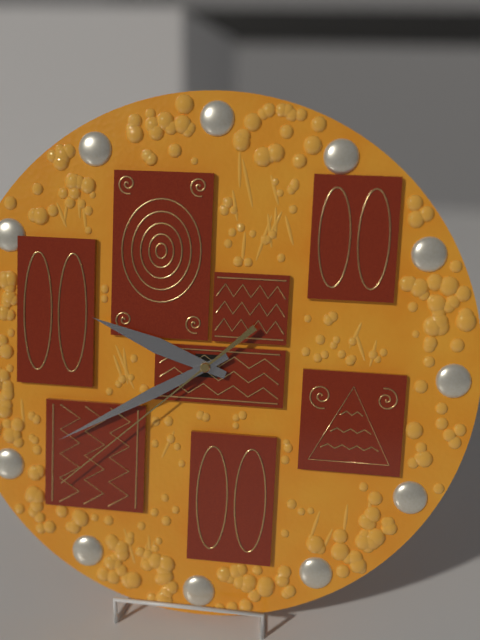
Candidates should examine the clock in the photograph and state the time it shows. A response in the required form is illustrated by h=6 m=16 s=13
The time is h=9 m=40 s=38
